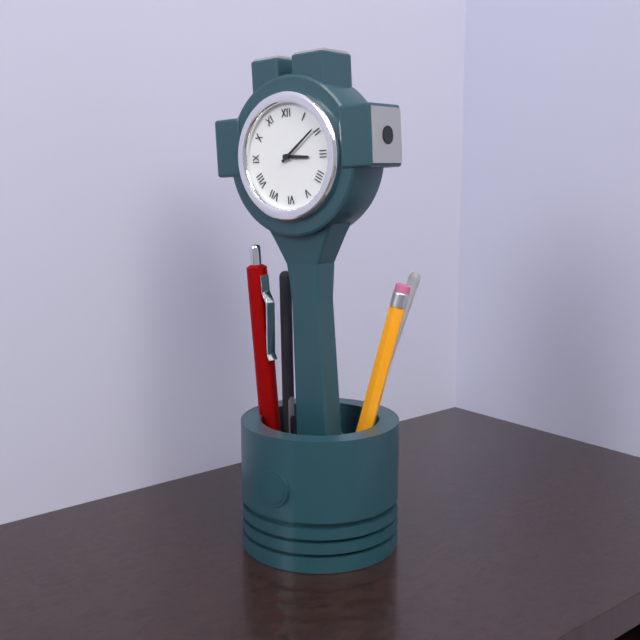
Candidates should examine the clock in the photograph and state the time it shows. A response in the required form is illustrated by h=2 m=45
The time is h=3 m=9
